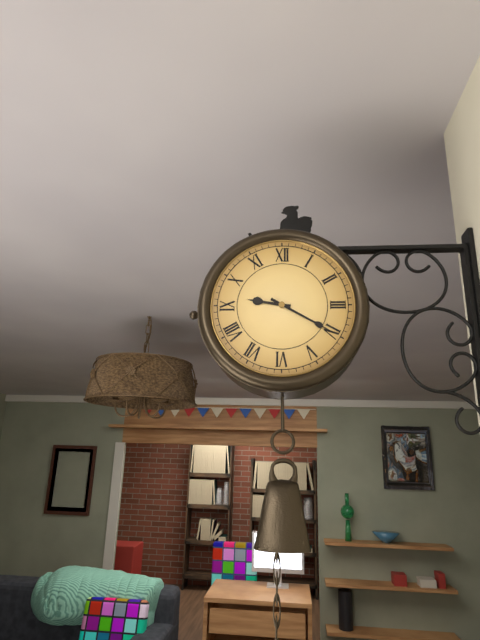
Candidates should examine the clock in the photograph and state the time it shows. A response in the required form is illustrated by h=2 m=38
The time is h=9 m=20
